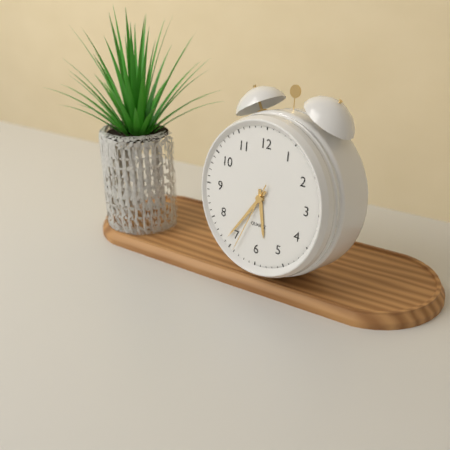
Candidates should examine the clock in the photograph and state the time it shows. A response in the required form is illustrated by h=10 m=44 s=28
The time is h=5 m=36 s=34
